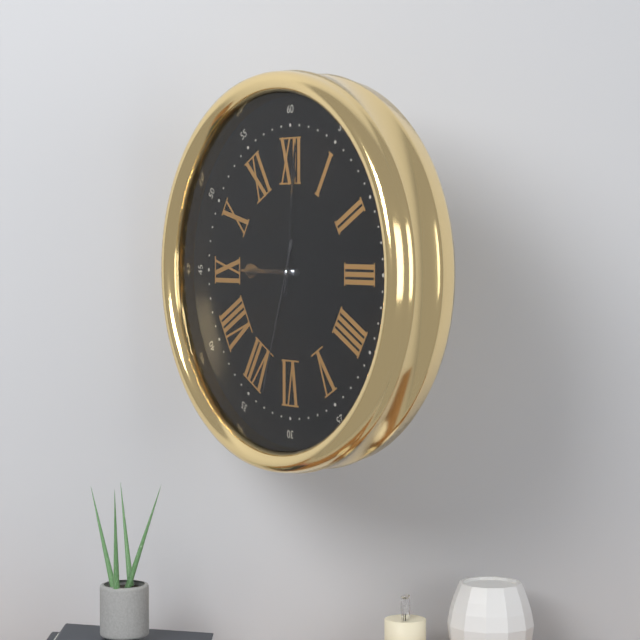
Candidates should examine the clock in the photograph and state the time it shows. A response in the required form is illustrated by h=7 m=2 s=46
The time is h=9 m=1 s=33
